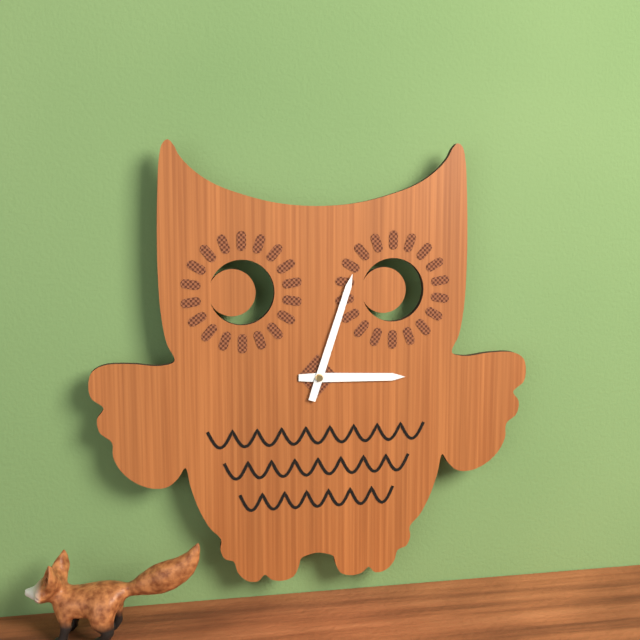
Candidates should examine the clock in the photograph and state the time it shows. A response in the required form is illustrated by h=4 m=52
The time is h=3 m=3
